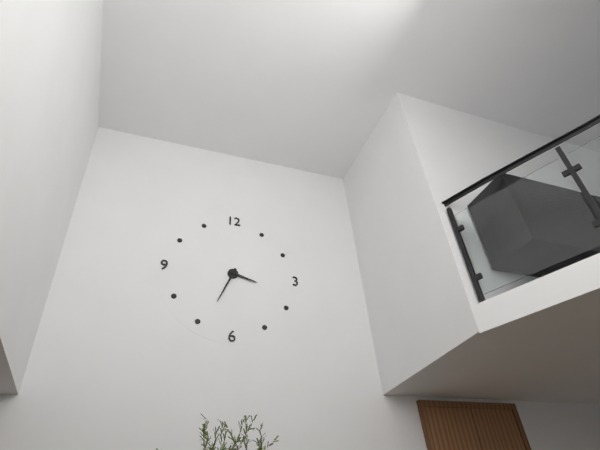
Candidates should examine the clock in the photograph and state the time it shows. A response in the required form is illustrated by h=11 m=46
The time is h=3 m=34
